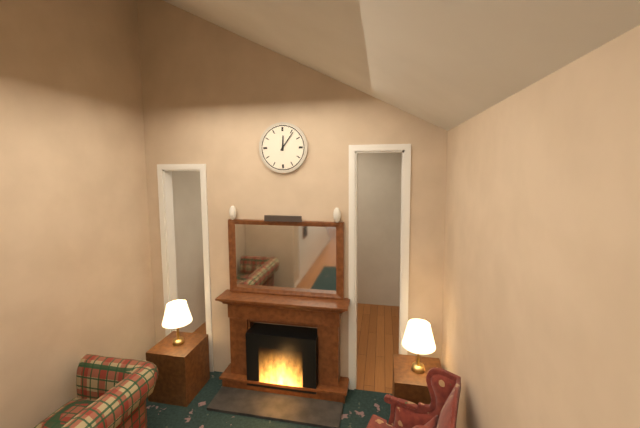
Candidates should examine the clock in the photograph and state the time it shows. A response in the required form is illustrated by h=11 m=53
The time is h=12 m=6
